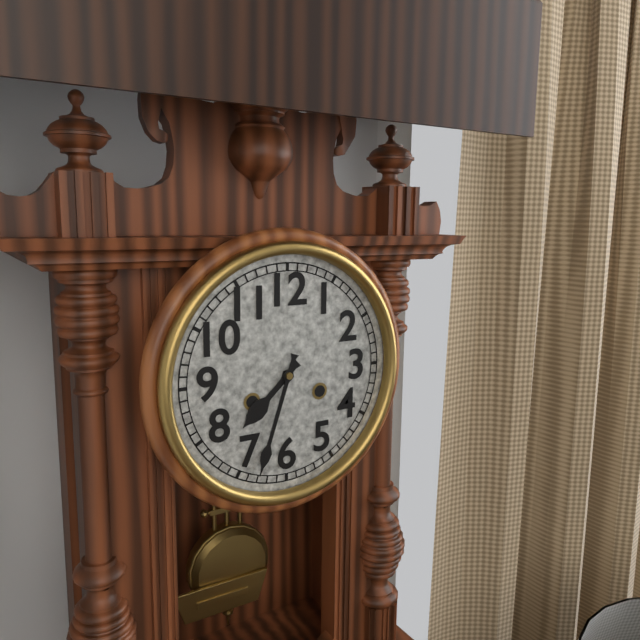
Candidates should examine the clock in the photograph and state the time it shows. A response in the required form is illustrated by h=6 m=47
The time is h=7 m=33
